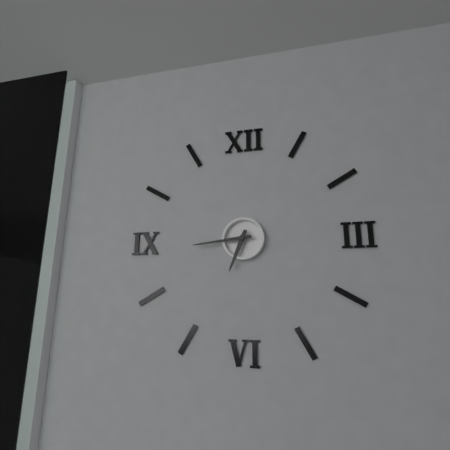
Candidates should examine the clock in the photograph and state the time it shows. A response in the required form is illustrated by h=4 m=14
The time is h=6 m=44
